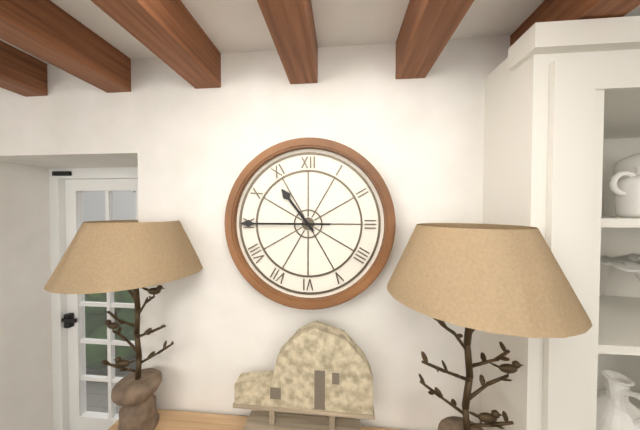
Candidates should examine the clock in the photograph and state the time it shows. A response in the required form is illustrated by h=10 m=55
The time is h=10 m=45
